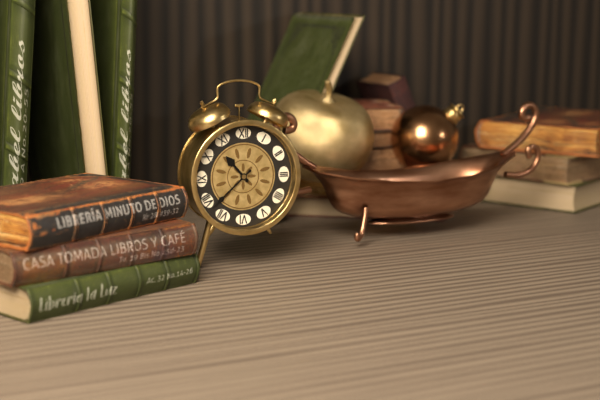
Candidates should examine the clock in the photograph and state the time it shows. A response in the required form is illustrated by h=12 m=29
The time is h=10 m=38
